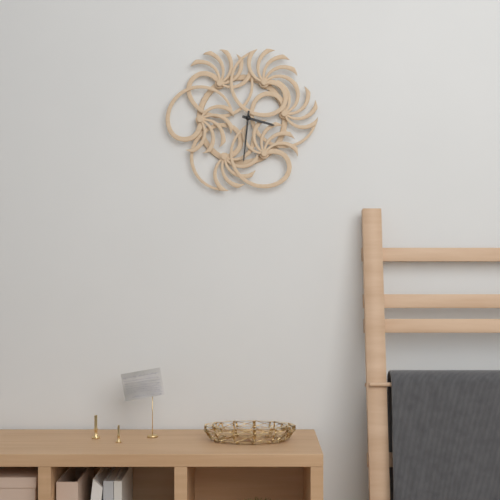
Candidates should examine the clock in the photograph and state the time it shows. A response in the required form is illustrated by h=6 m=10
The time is h=3 m=31
